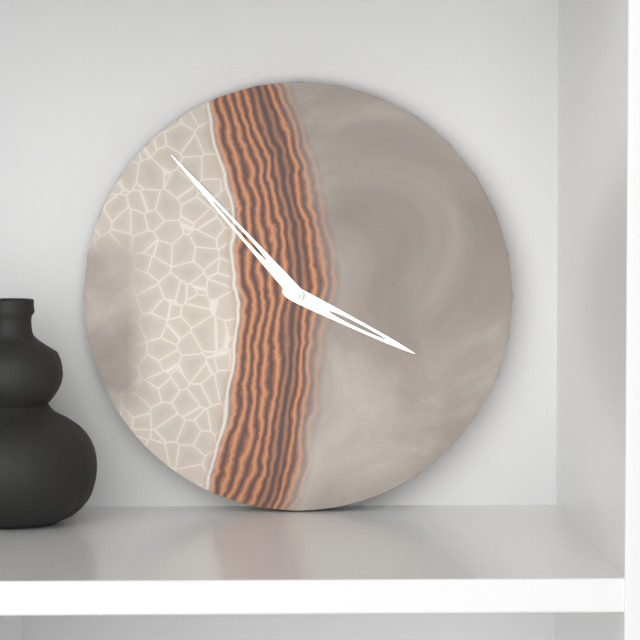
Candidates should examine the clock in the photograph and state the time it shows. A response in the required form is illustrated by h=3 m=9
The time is h=3 m=53
